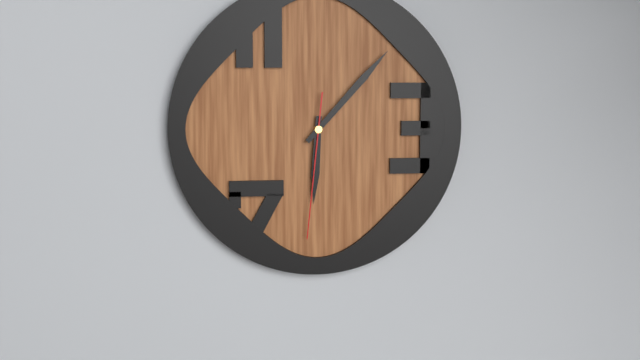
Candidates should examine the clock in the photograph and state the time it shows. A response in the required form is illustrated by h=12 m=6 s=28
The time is h=6 m=7 s=31
